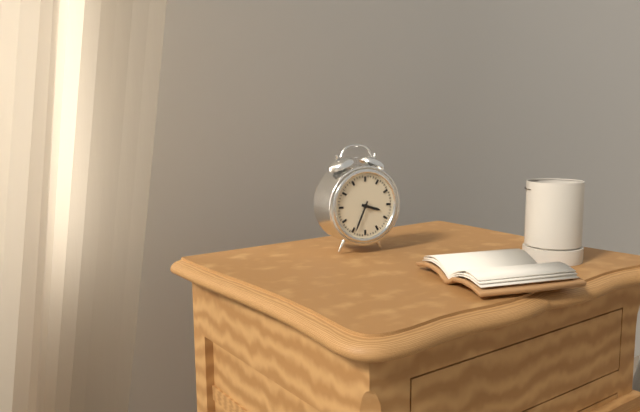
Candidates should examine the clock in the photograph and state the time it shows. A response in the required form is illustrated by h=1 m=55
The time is h=3 m=34
